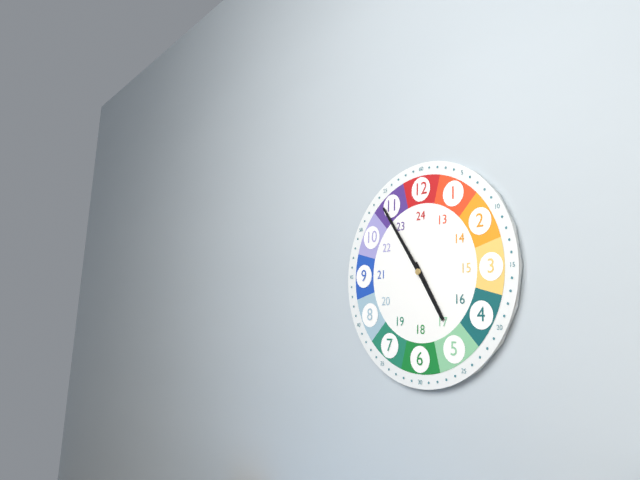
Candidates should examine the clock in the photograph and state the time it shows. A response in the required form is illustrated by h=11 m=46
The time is h=4 m=54
